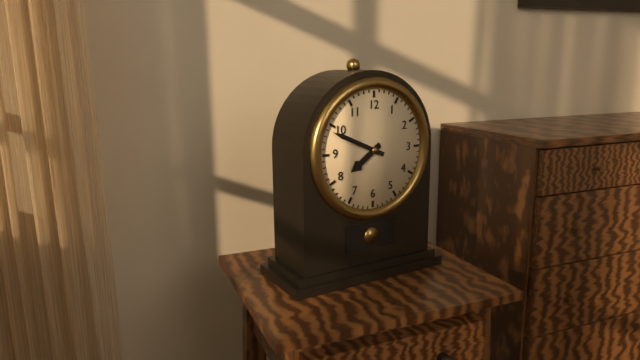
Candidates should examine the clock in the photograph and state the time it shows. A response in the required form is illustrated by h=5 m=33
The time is h=7 m=49
